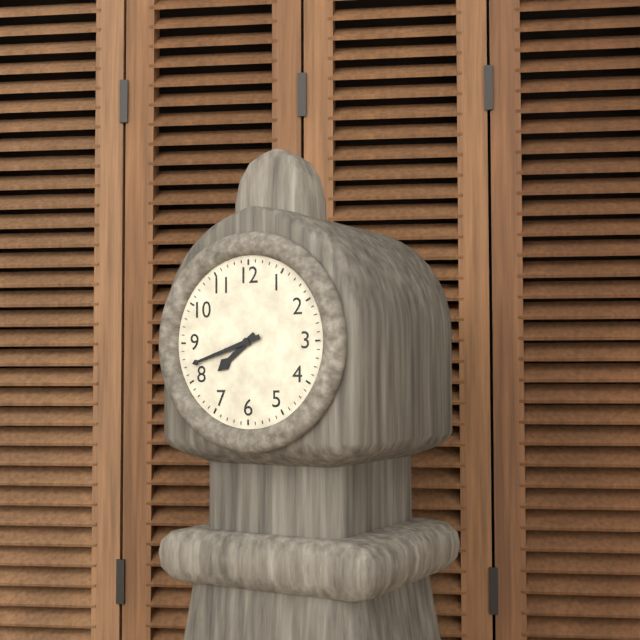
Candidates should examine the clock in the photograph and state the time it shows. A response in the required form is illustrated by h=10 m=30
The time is h=7 m=42
